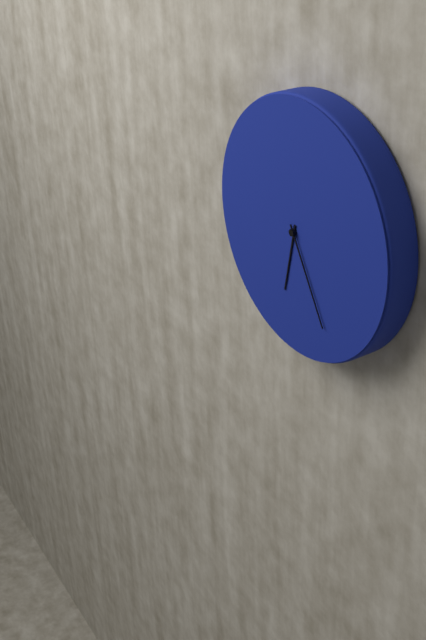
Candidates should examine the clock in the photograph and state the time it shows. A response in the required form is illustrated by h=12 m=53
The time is h=6 m=25
